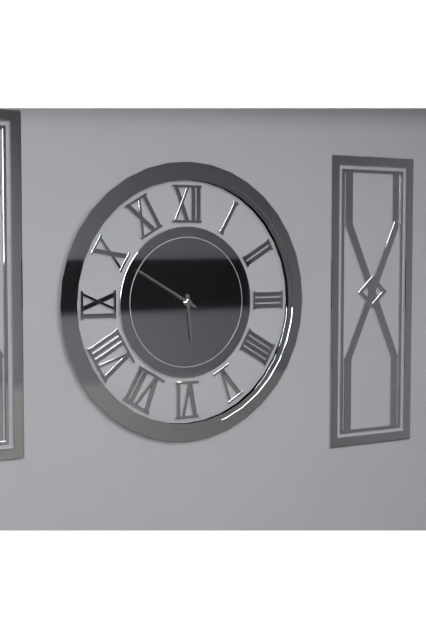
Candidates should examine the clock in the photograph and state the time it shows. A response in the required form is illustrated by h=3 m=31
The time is h=5 m=50
